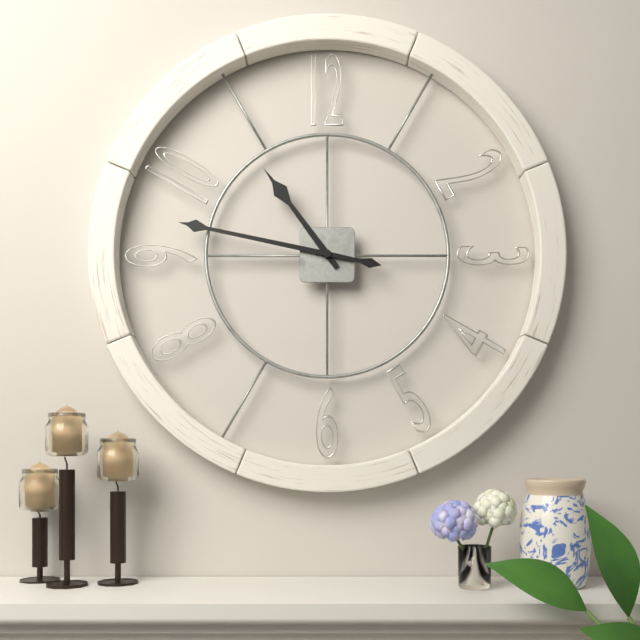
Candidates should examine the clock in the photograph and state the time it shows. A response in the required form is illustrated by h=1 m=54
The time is h=10 m=47
